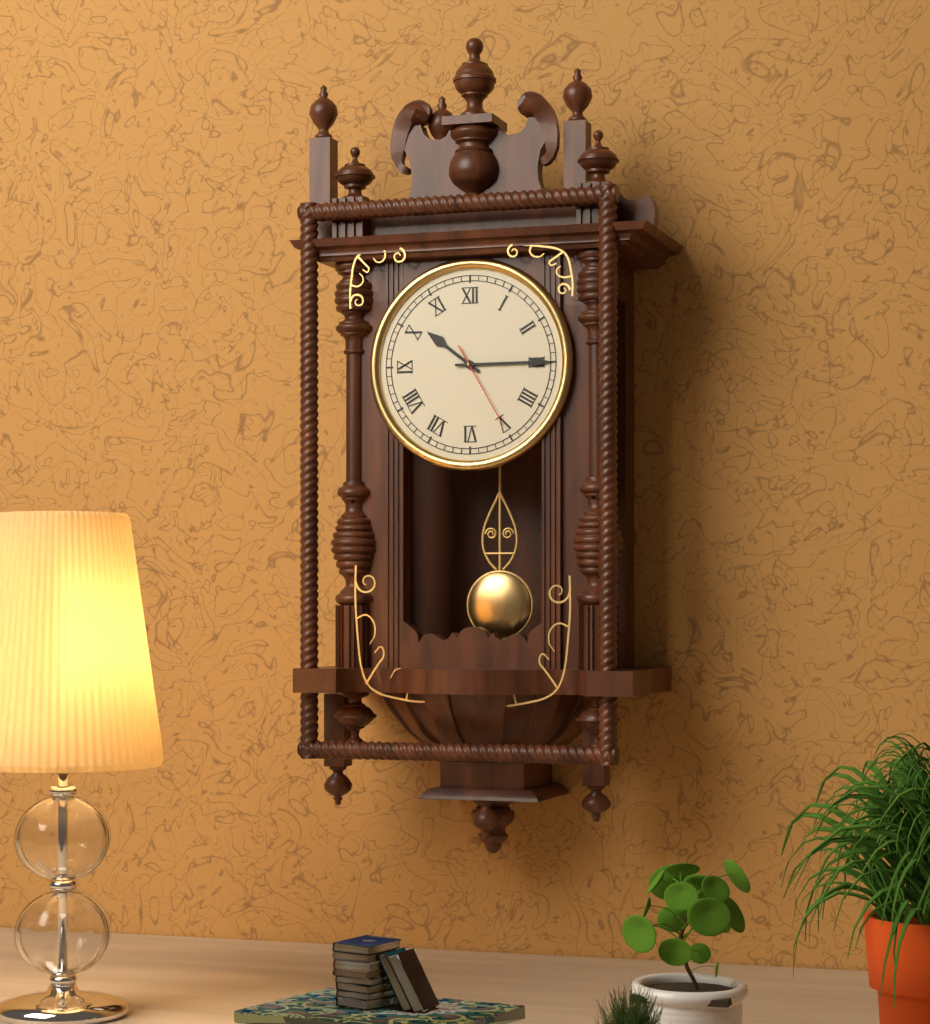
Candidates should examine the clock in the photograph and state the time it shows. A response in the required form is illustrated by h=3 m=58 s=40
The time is h=10 m=15 s=25
